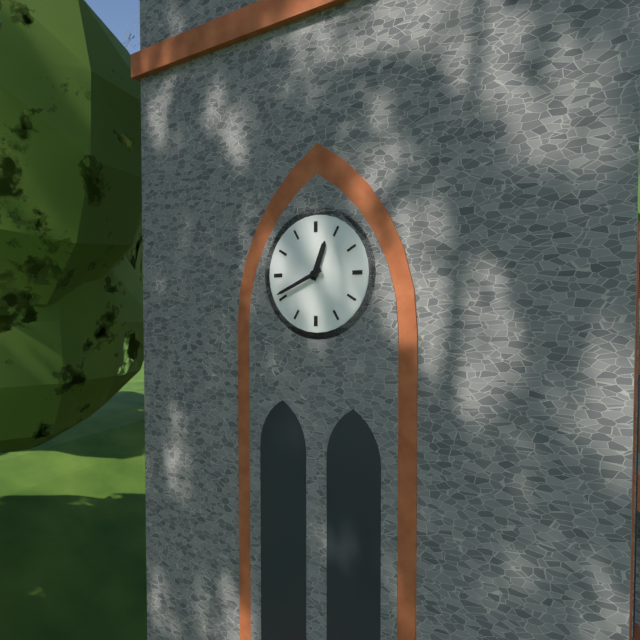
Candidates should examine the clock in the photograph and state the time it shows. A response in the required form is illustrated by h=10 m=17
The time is h=12 m=41
